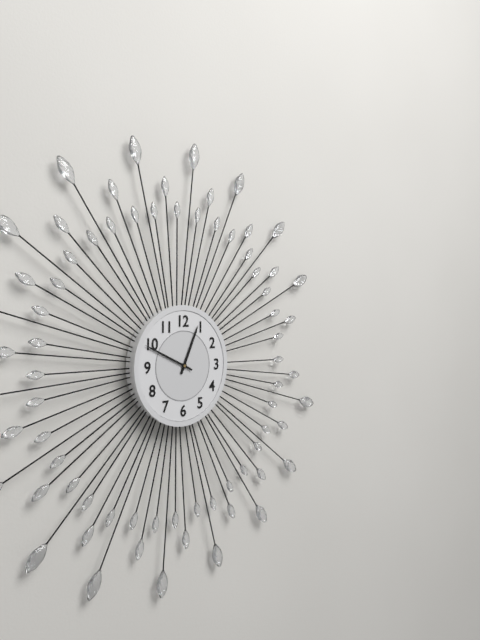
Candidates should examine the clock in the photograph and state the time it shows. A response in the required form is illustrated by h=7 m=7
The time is h=12 m=49
